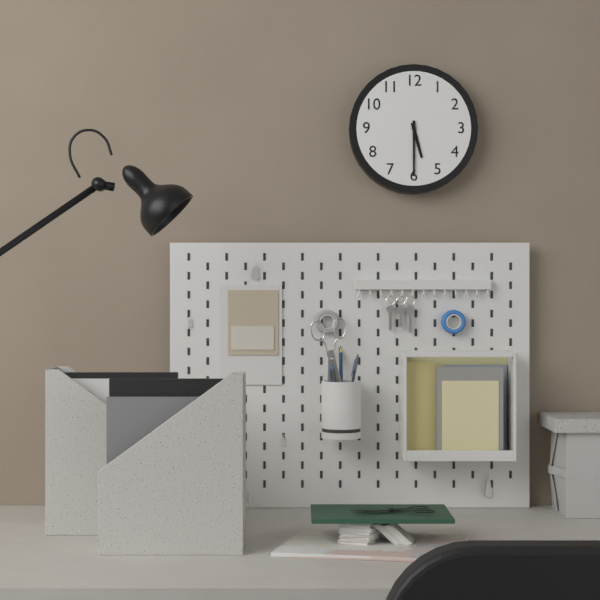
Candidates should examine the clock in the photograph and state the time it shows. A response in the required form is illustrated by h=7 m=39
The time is h=5 m=30
